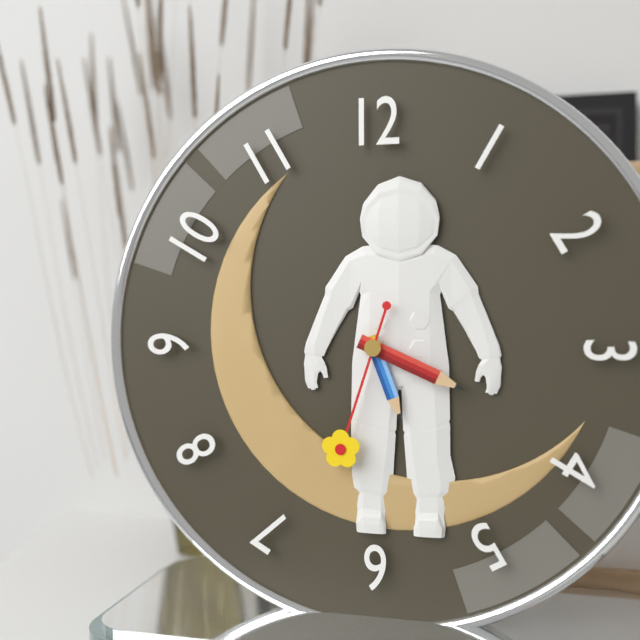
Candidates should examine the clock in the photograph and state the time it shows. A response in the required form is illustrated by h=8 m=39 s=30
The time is h=5 m=19 s=33
